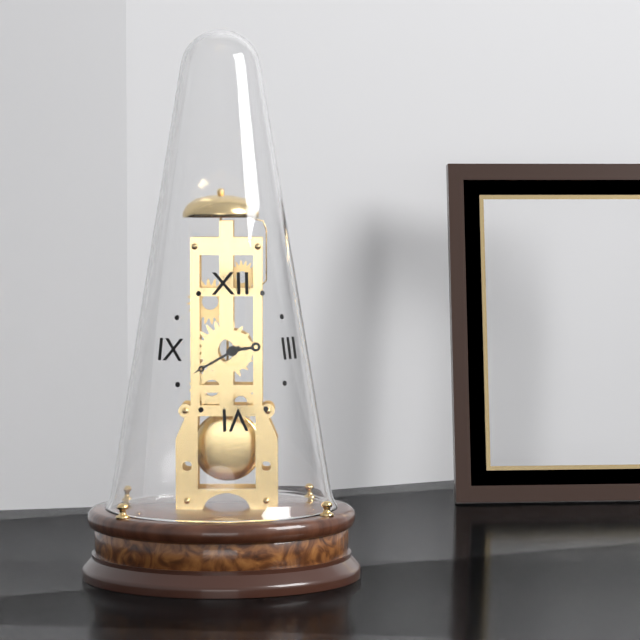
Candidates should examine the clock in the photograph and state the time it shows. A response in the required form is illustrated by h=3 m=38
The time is h=2 m=40
